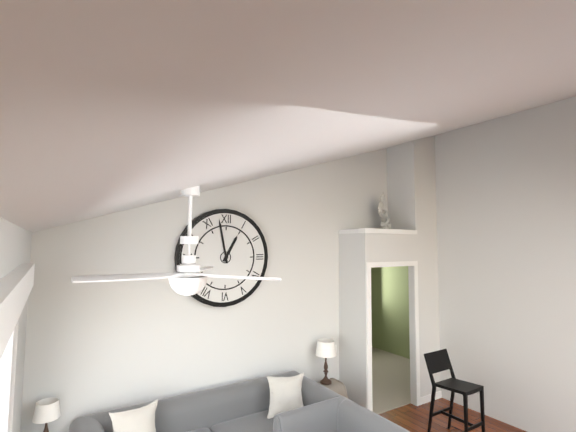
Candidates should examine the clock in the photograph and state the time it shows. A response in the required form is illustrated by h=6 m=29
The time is h=12 m=58
